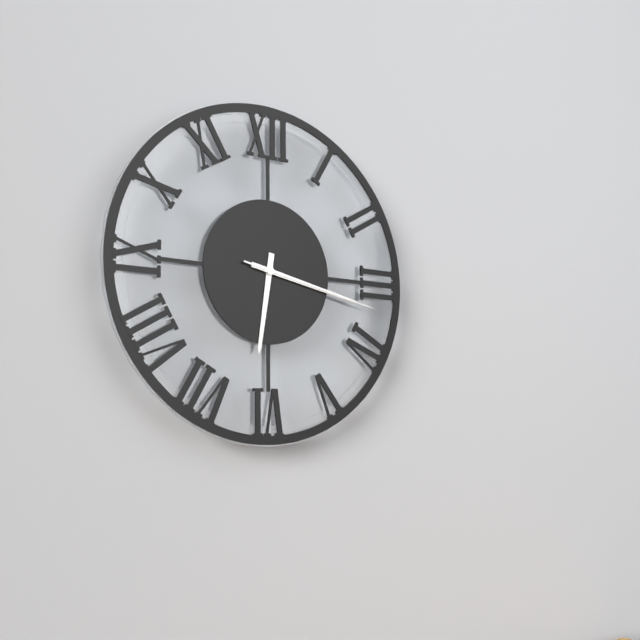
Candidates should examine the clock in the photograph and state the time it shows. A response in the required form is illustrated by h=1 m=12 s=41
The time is h=6 m=17 s=17
